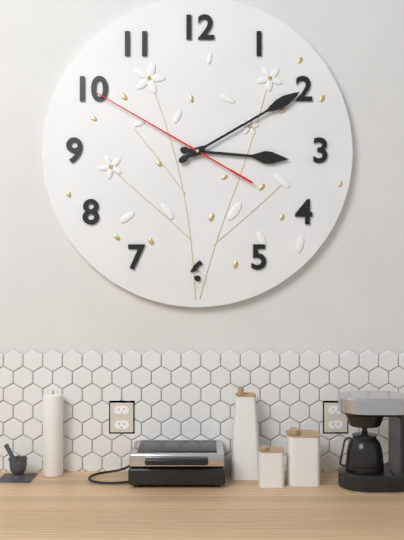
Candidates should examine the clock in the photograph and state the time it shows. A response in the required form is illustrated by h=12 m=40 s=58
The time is h=3 m=10 s=50
